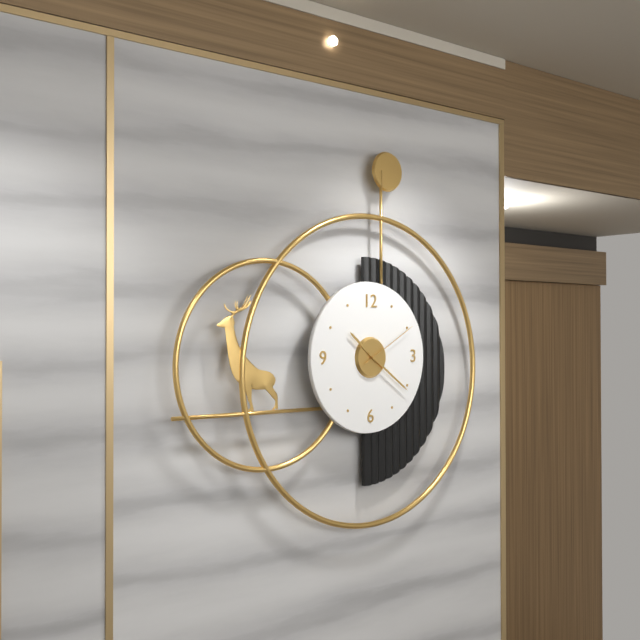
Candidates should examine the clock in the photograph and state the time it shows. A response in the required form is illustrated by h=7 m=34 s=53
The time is h=10 m=21 s=10
